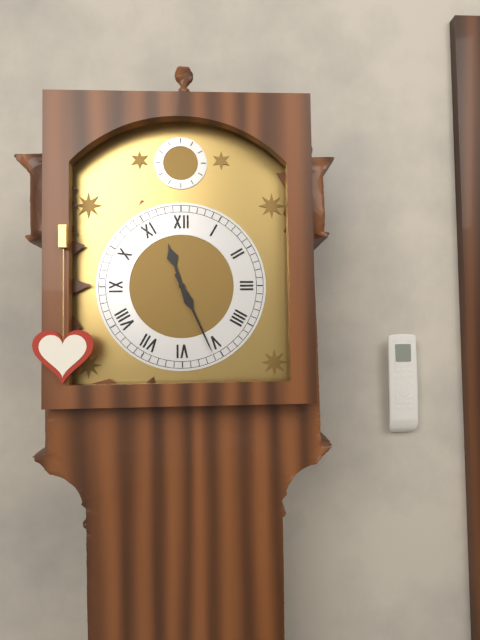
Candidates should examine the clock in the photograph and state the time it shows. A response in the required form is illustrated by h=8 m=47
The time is h=11 m=26
